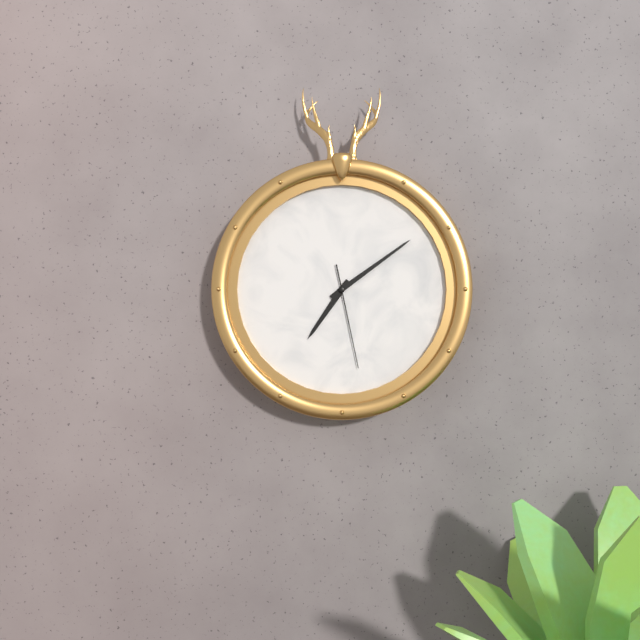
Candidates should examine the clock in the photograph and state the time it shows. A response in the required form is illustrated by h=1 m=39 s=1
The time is h=7 m=9 s=28
